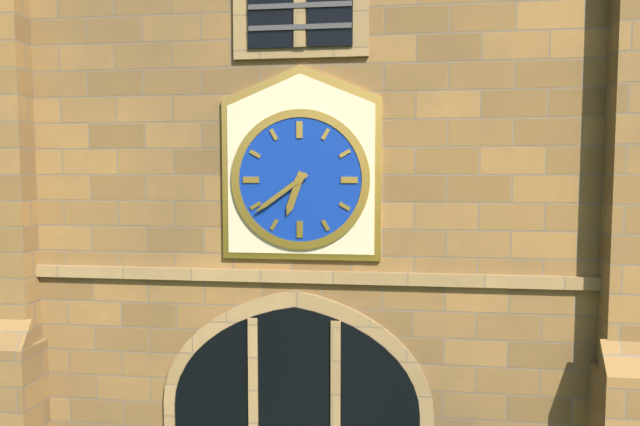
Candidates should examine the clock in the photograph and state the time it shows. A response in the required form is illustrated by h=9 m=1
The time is h=6 m=39
